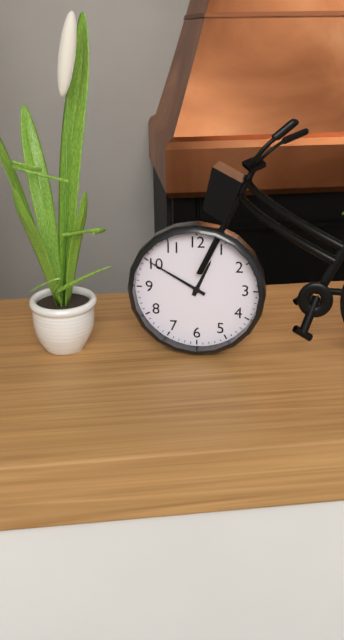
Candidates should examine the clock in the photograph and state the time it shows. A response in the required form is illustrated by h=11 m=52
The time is h=12 m=50
